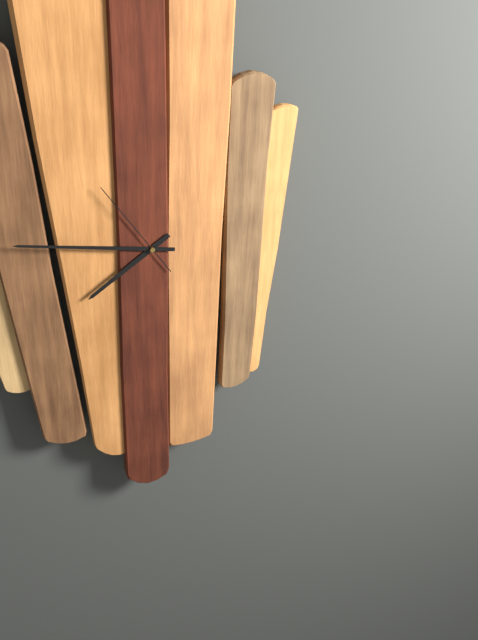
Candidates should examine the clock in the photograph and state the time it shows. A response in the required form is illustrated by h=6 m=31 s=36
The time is h=7 m=46 s=54
